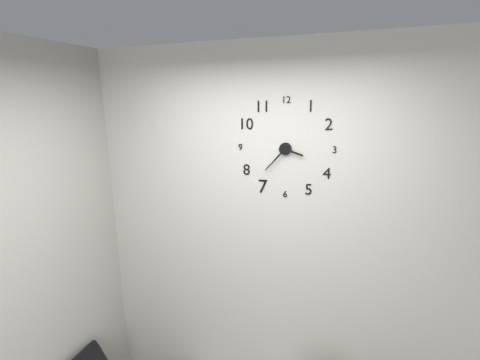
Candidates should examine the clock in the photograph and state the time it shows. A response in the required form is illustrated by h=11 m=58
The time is h=3 m=37
